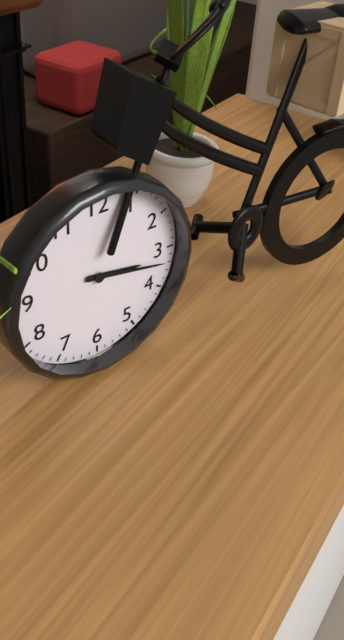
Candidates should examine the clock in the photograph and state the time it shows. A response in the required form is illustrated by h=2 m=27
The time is h=3 m=17
